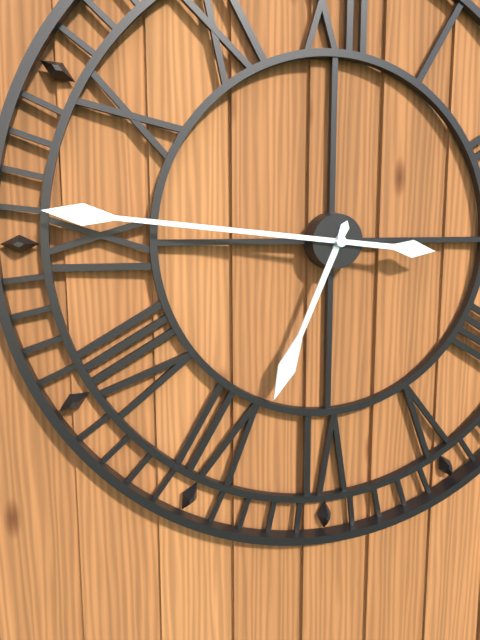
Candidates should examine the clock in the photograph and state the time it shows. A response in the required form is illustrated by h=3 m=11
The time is h=6 m=46
